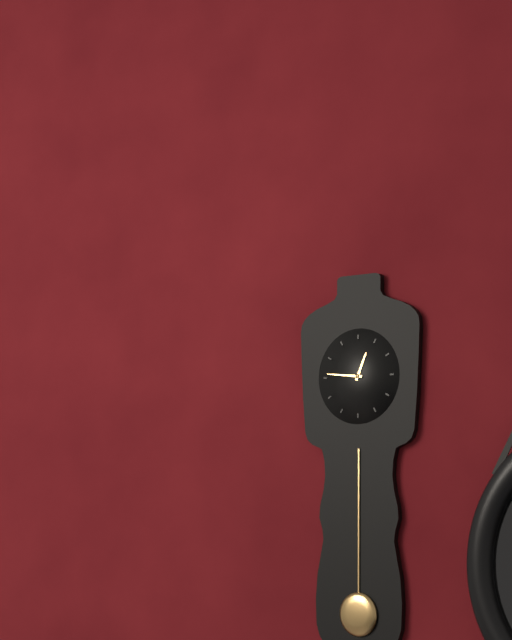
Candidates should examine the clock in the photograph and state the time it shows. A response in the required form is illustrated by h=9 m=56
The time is h=12 m=46
